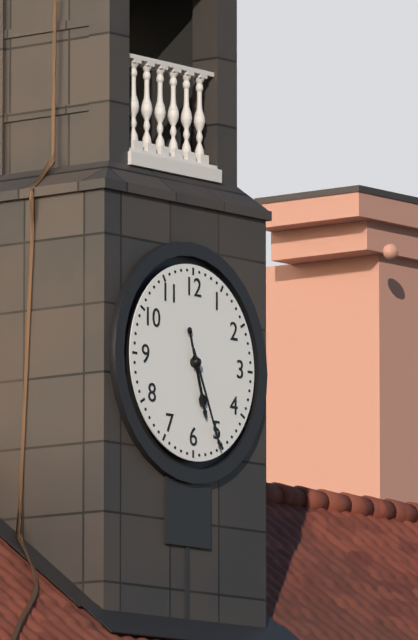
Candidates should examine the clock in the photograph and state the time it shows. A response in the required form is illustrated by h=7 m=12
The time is h=5 m=26
